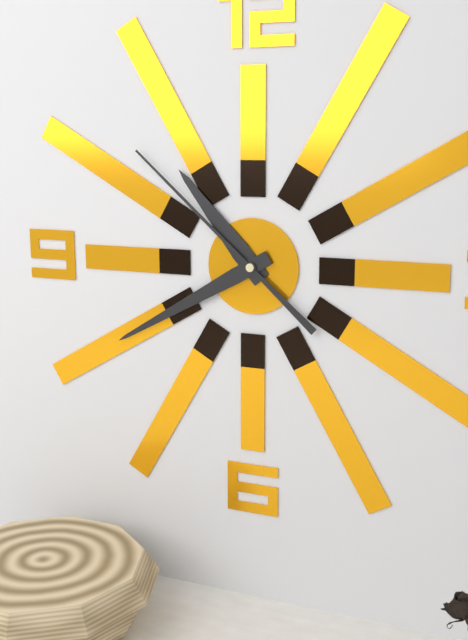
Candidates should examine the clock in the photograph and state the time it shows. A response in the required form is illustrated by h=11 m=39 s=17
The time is h=10 m=40 s=52
